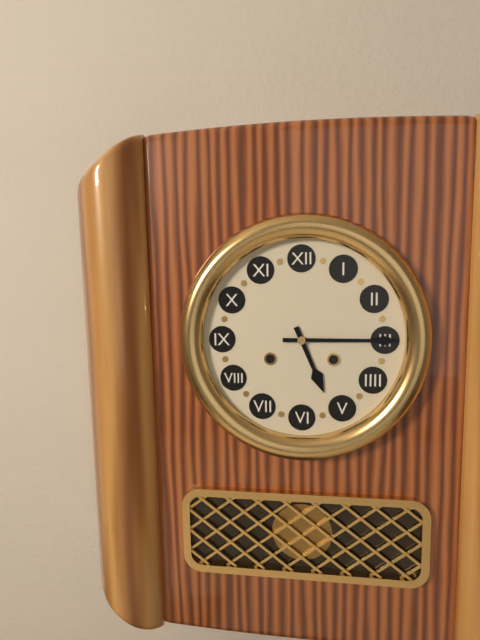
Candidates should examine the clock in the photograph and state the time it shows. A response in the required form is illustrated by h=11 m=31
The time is h=5 m=15
